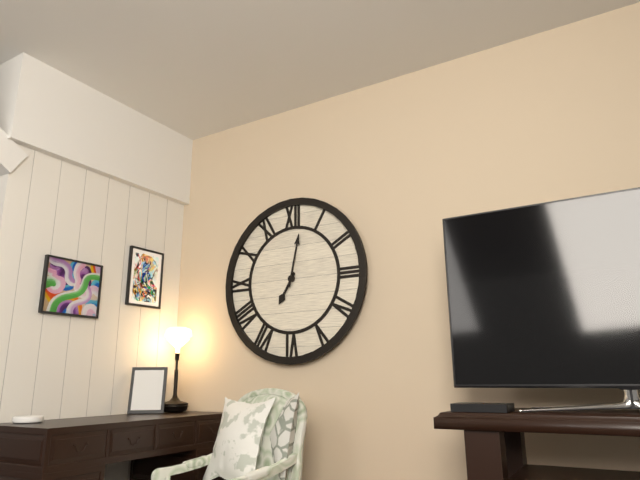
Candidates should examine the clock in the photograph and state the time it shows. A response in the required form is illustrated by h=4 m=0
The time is h=7 m=2
